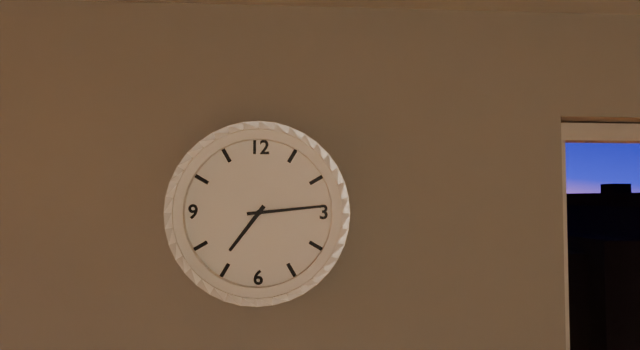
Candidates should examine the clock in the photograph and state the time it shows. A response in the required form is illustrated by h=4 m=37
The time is h=7 m=14
